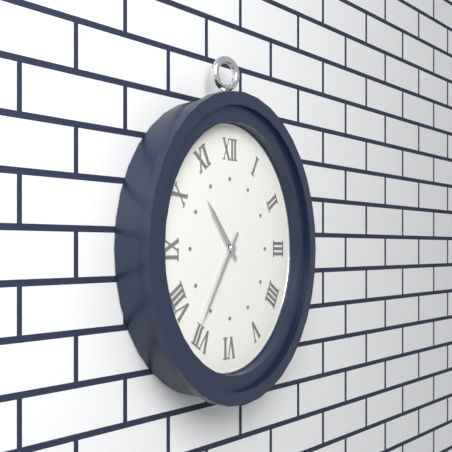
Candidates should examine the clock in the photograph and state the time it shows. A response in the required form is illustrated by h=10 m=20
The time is h=10 m=36
